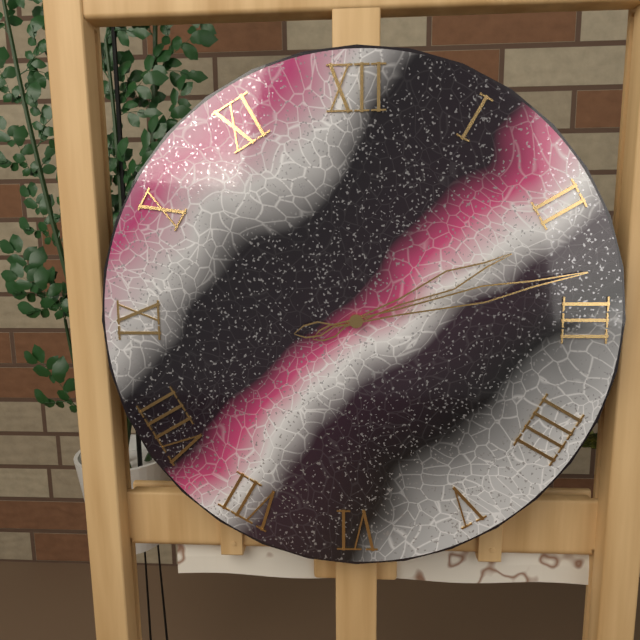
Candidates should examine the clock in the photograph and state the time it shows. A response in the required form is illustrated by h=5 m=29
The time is h=2 m=13
